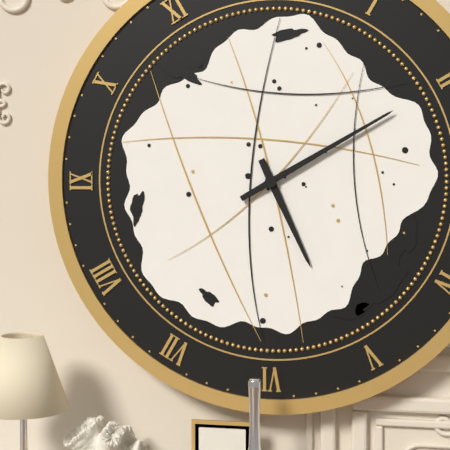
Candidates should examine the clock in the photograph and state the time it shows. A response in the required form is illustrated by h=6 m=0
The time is h=5 m=10
